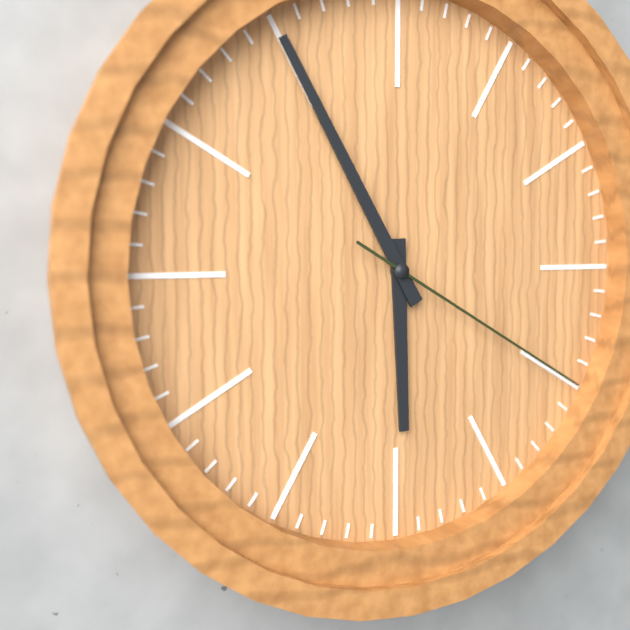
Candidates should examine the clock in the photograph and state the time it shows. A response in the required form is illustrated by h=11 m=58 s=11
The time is h=5 m=55 s=20
